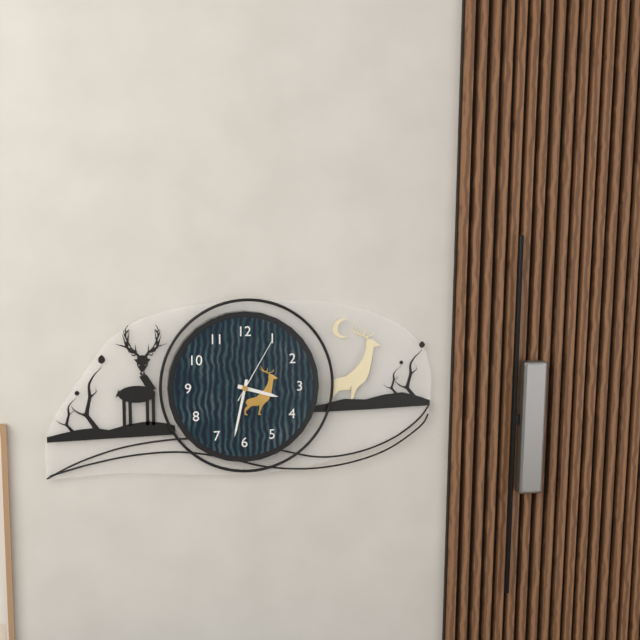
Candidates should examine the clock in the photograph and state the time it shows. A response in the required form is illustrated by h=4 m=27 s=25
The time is h=3 m=32 s=5
